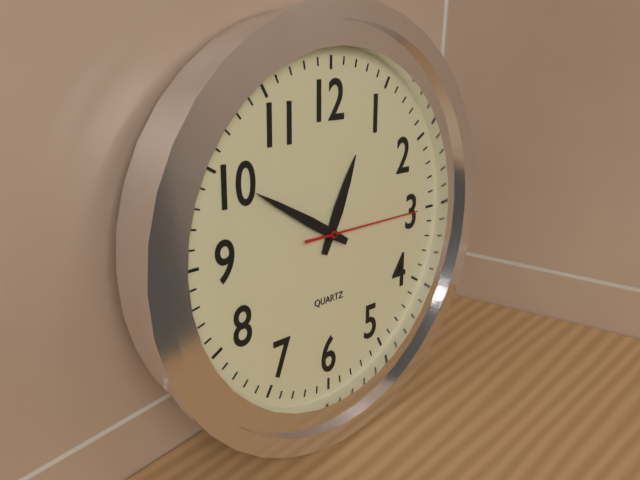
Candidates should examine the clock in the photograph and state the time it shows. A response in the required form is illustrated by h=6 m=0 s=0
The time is h=12 m=50 s=15
